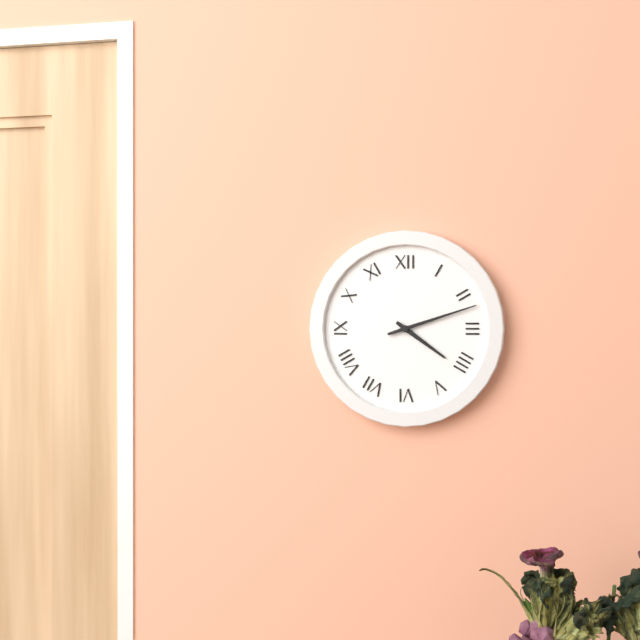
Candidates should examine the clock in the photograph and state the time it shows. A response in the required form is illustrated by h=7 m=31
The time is h=4 m=12
